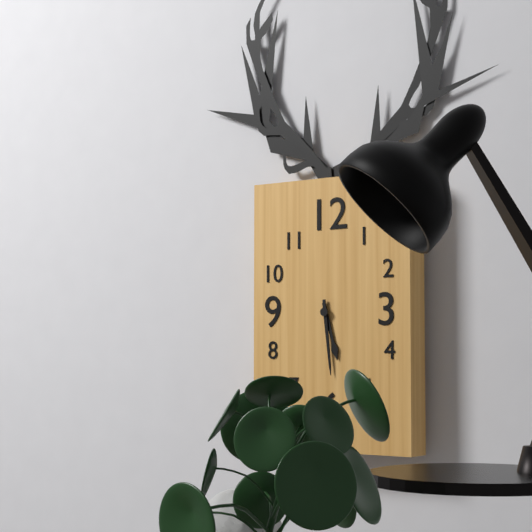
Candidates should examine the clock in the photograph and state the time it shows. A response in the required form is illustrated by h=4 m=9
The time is h=5 m=29
